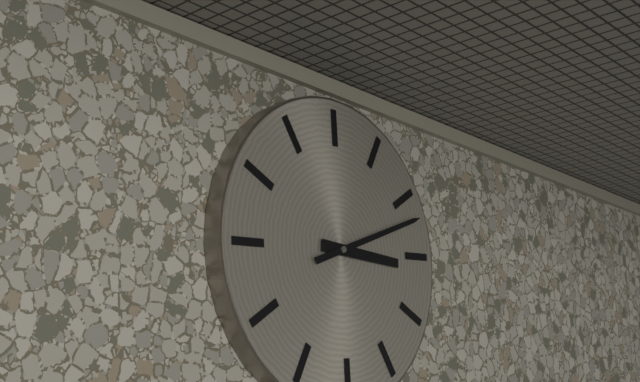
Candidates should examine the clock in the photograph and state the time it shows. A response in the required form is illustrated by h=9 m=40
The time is h=3 m=12
